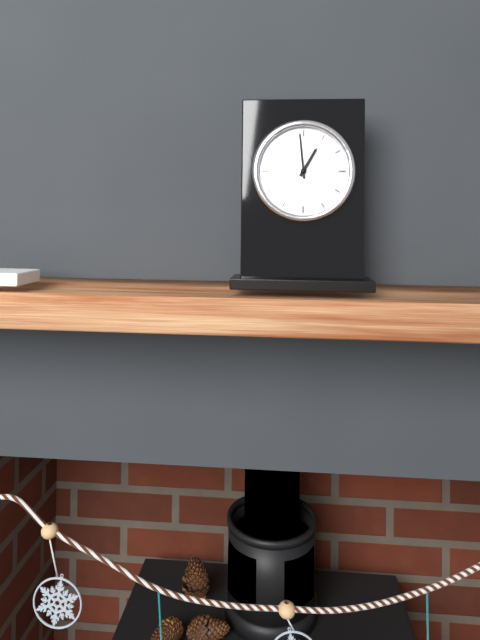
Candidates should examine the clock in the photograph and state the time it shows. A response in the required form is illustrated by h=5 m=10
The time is h=12 m=59
